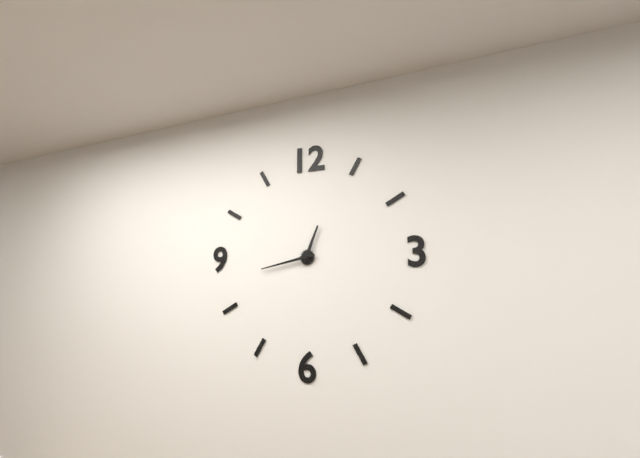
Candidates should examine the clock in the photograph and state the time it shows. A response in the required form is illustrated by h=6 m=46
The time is h=12 m=43
